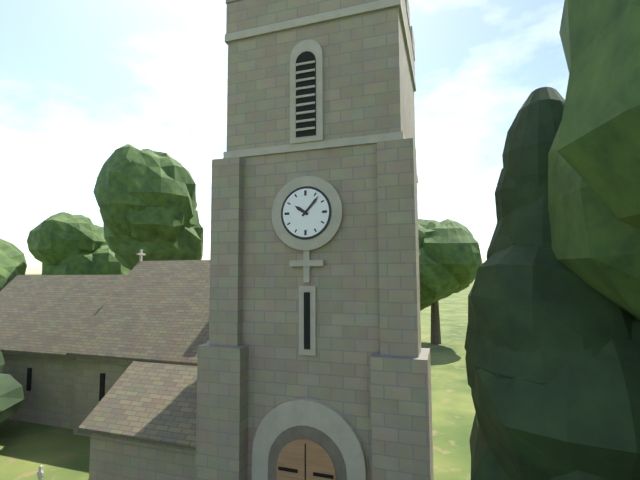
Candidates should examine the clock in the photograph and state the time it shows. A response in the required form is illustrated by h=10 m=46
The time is h=10 m=7
